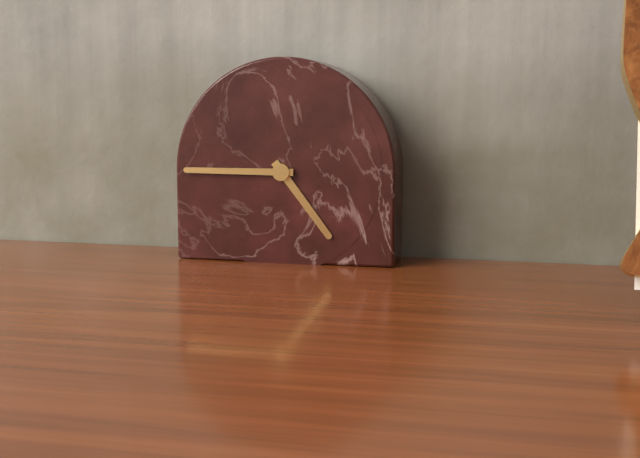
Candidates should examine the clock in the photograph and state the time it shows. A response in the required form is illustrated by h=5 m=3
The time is h=4 m=45
